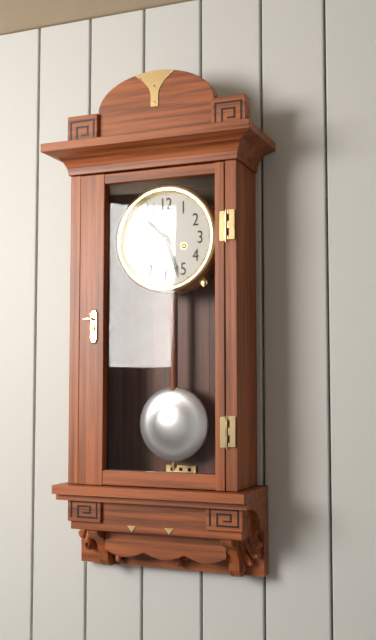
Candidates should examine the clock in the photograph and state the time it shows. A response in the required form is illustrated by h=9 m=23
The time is h=10 m=27
